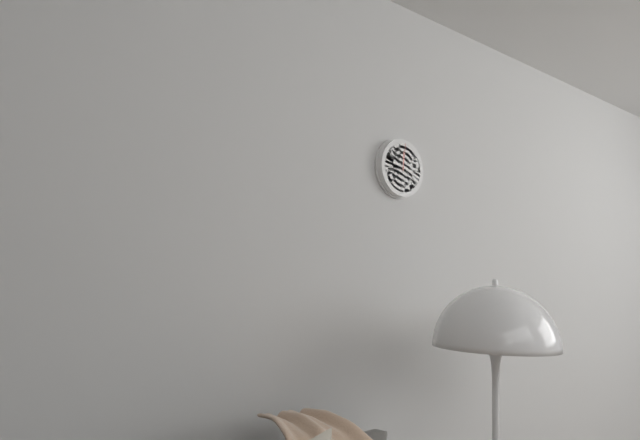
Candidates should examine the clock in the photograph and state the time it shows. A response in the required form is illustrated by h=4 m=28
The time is h=12 m=1
